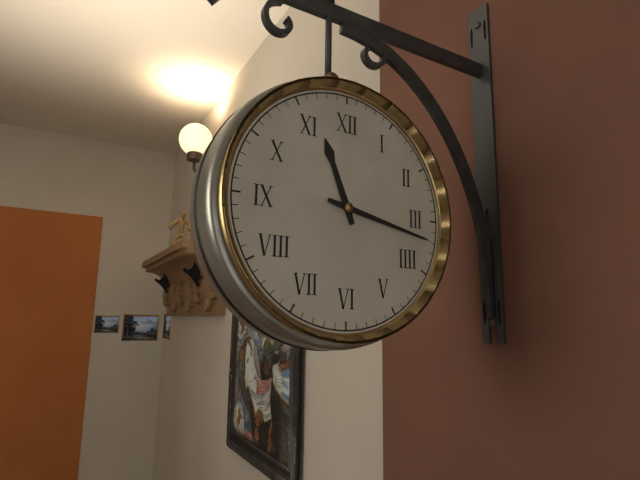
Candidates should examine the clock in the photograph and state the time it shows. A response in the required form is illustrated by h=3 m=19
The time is h=11 m=17
